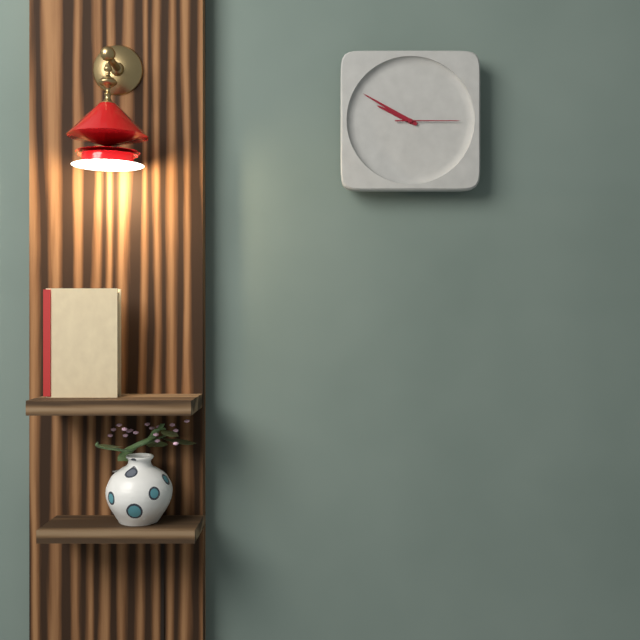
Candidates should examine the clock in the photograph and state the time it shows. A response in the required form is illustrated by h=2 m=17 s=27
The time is h=9 m=50 s=15
